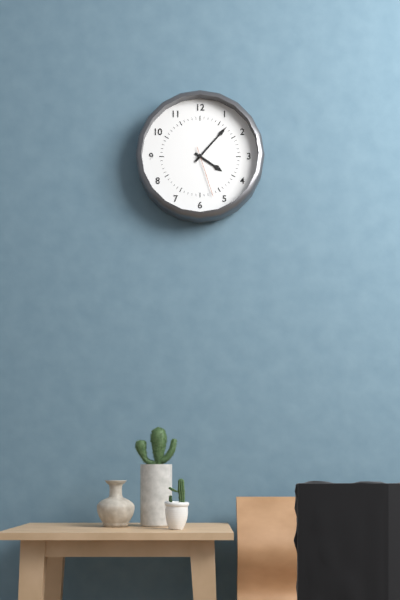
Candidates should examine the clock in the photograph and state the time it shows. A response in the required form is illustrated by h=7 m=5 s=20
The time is h=4 m=7 s=27
